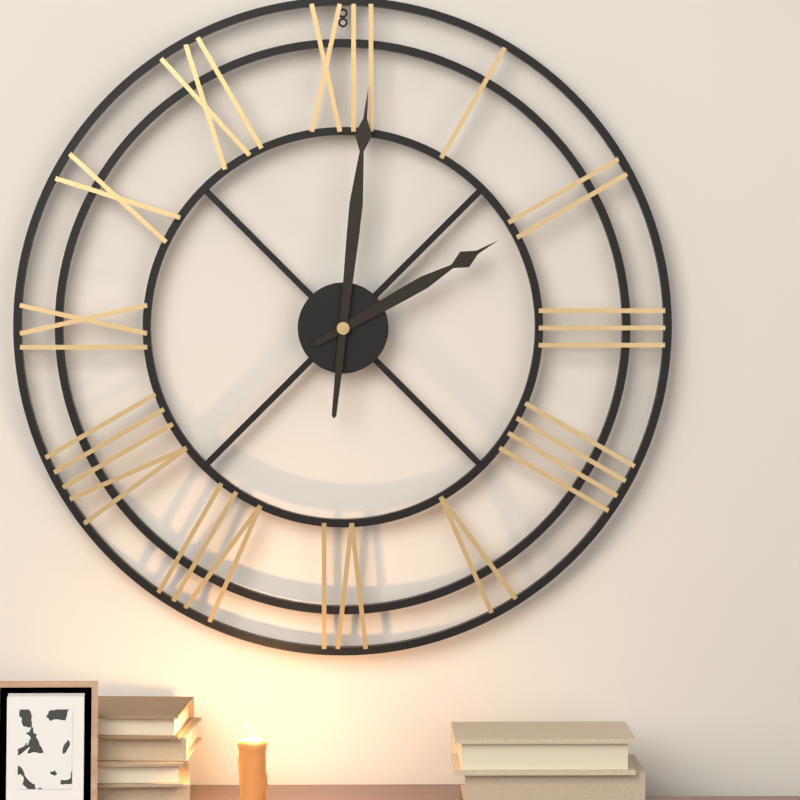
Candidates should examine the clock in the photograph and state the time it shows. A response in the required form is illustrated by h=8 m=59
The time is h=2 m=1
